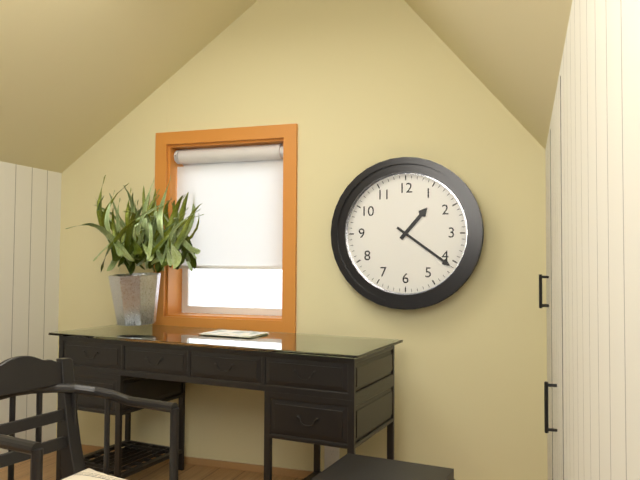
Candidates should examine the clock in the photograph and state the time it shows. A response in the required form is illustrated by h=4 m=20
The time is h=1 m=21
